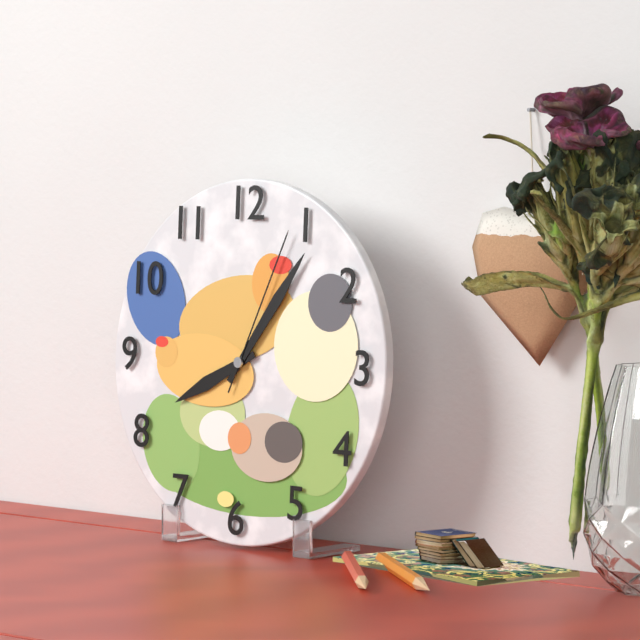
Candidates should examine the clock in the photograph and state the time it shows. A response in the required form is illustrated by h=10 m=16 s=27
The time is h=8 m=6 s=4
